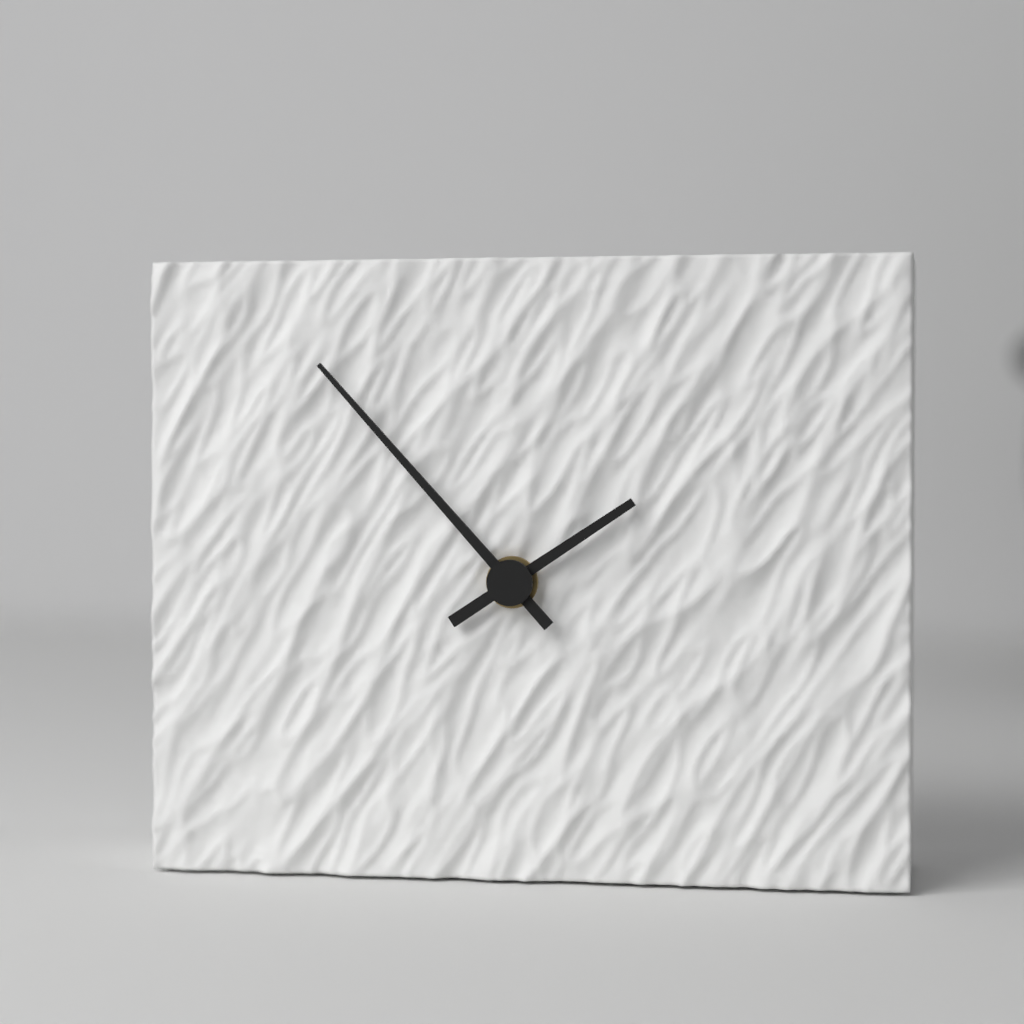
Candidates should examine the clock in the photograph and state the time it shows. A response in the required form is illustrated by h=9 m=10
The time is h=1 m=53
